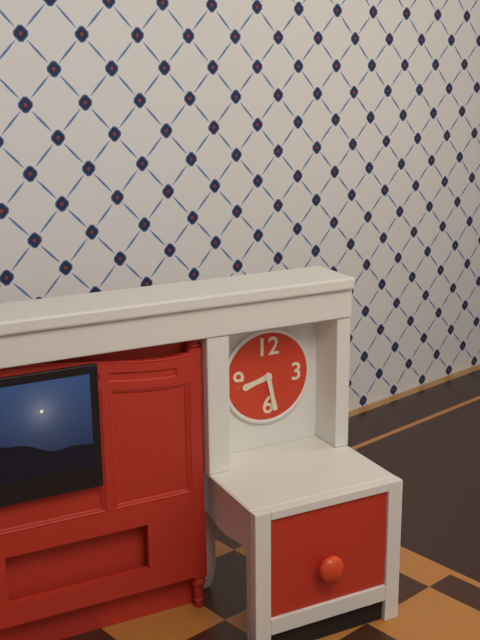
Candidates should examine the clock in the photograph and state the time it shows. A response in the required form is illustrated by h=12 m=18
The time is h=8 m=28
